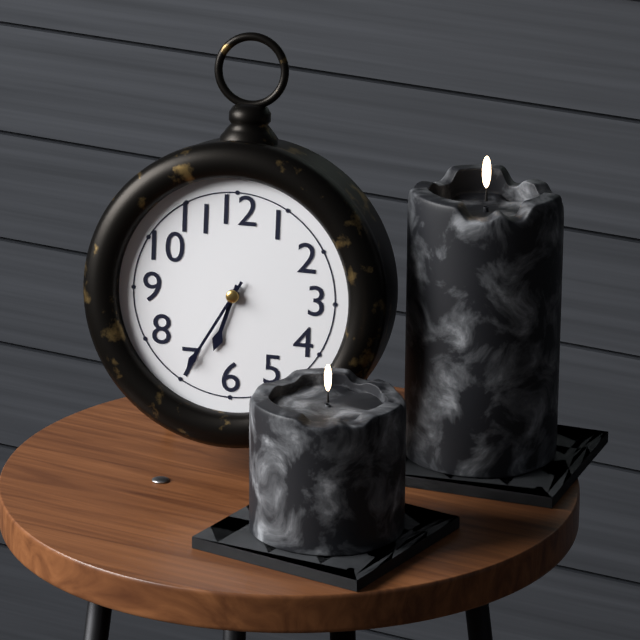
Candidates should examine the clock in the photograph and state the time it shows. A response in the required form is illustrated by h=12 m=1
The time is h=6 m=35
